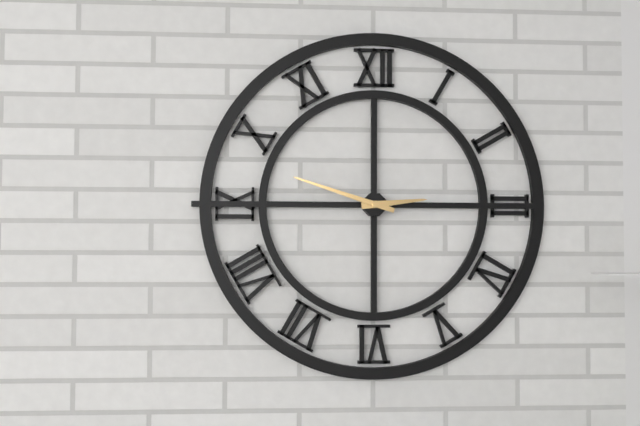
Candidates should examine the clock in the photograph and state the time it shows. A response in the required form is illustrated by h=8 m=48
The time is h=2 m=48
